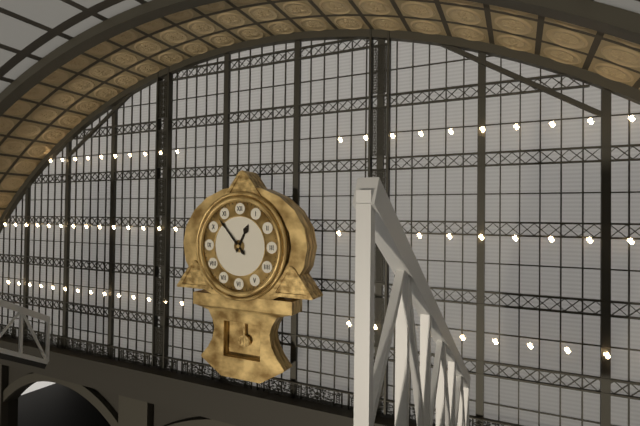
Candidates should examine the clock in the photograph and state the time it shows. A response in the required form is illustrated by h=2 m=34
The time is h=12 m=53
